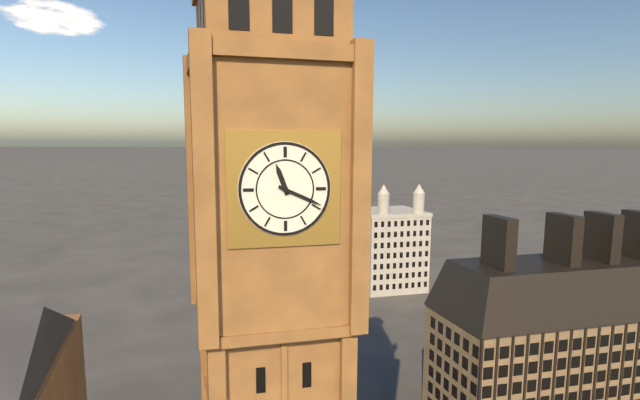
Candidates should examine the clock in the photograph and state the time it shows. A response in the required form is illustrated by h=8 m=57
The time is h=11 m=19
